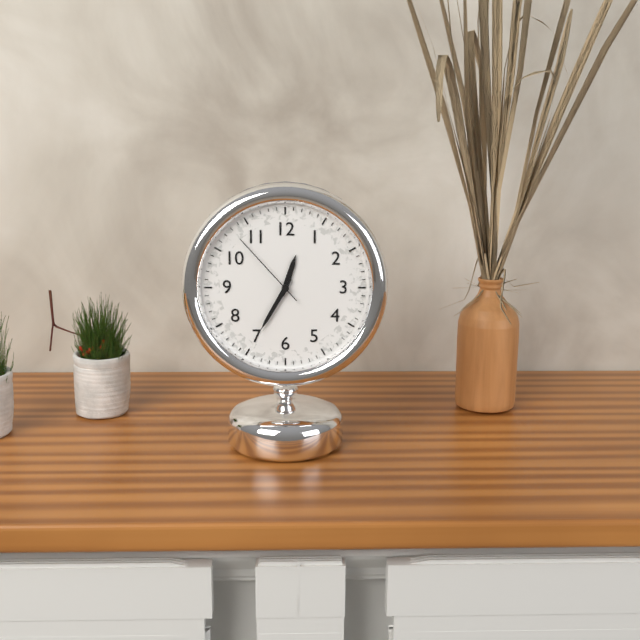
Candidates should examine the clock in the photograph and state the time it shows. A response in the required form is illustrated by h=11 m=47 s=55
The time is h=12 m=35 s=53
